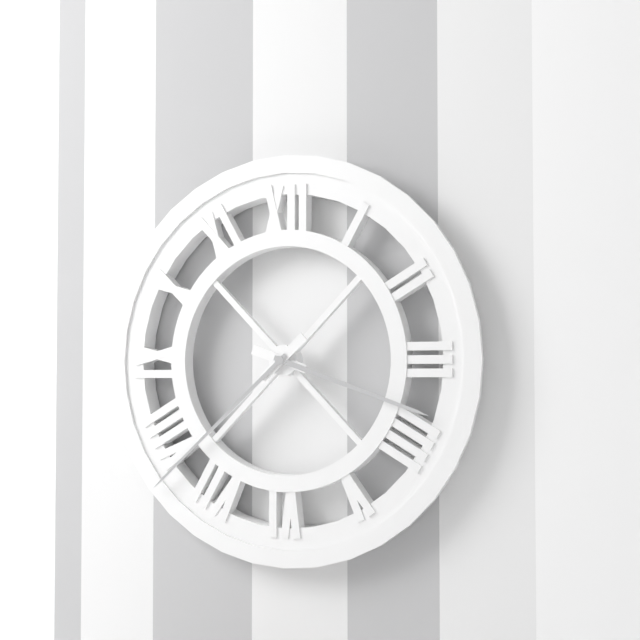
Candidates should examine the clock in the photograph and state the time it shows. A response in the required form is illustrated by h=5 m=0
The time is h=3 m=38
